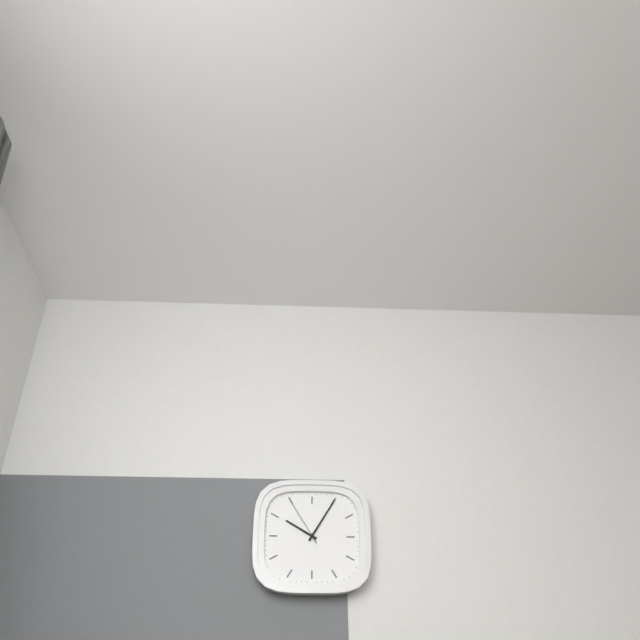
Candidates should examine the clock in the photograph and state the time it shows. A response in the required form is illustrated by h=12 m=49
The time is h=10 m=5
